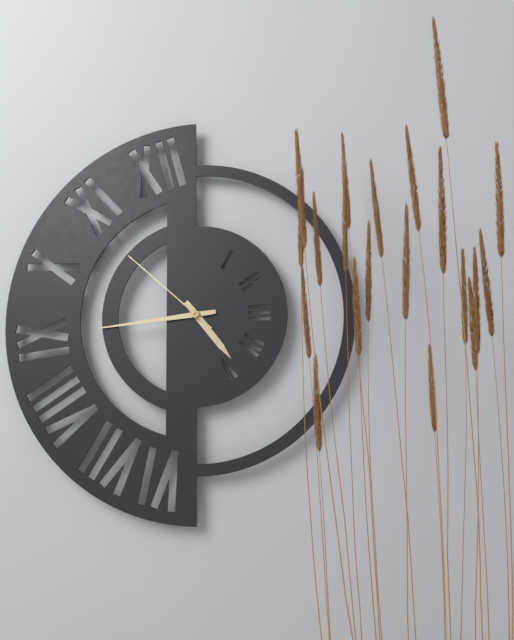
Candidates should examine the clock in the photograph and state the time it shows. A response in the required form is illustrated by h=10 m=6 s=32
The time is h=4 m=44 s=52
